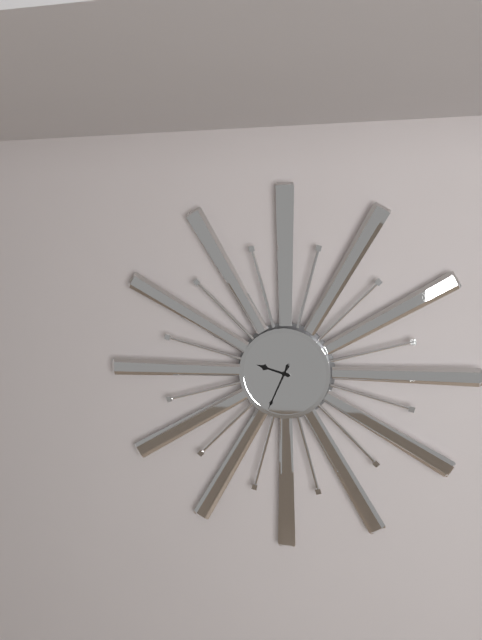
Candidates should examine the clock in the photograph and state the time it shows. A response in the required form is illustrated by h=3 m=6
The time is h=9 m=34
